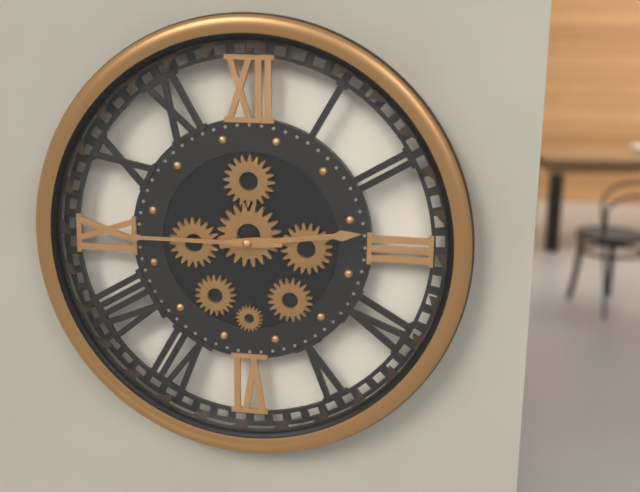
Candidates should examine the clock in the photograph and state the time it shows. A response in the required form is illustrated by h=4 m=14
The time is h=2 m=45
